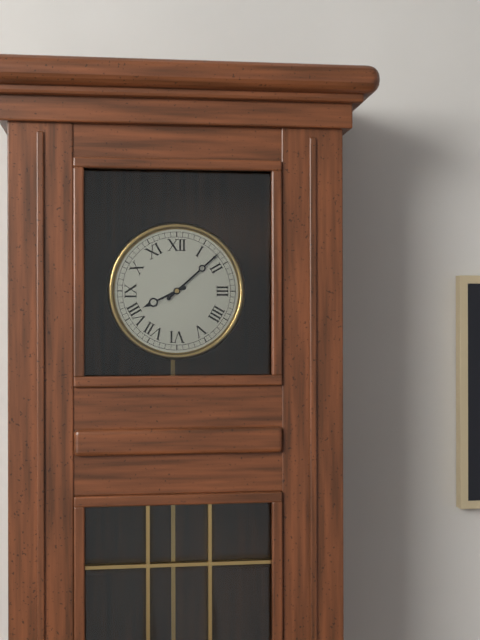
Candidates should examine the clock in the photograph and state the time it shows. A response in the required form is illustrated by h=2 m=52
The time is h=8 m=8
